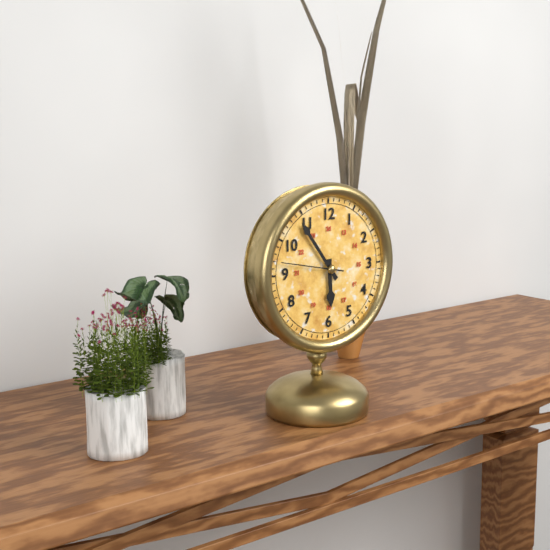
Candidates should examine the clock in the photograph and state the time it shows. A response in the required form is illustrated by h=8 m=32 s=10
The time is h=5 m=54 s=47
